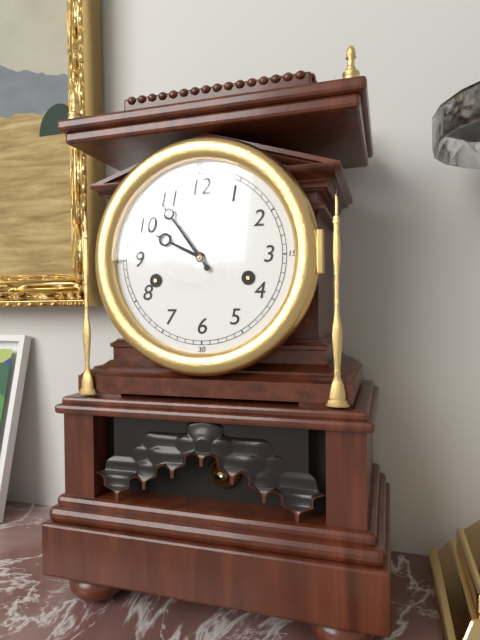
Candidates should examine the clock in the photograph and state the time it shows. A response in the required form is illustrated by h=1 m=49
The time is h=9 m=54
